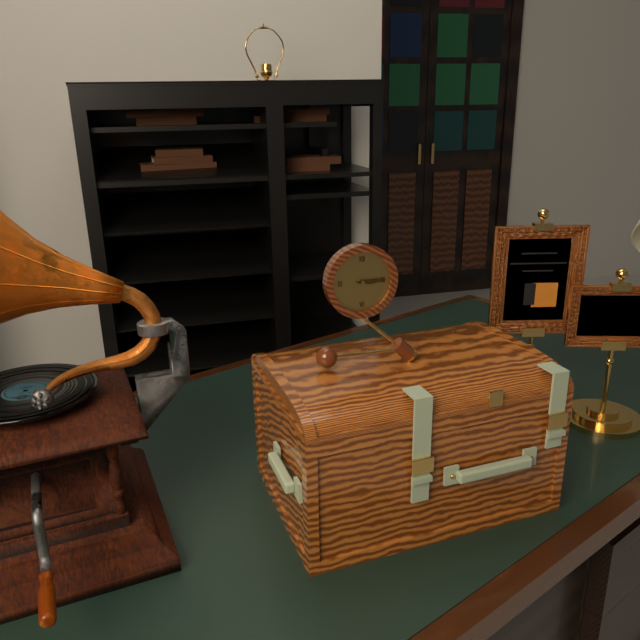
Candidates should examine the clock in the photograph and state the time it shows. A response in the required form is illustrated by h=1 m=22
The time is h=3 m=15
